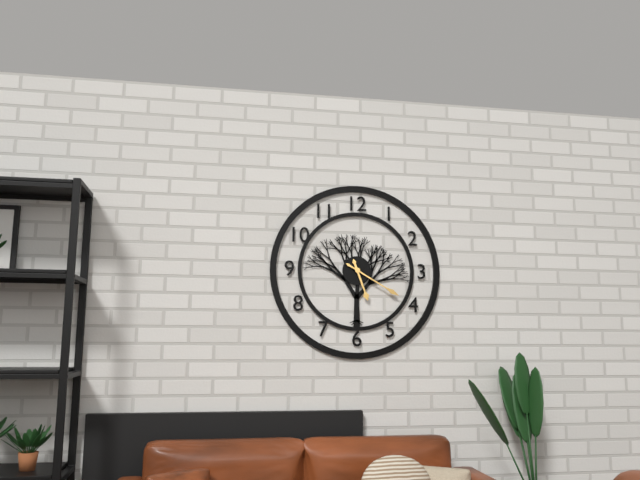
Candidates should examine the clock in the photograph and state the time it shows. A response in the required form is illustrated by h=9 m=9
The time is h=5 m=20
